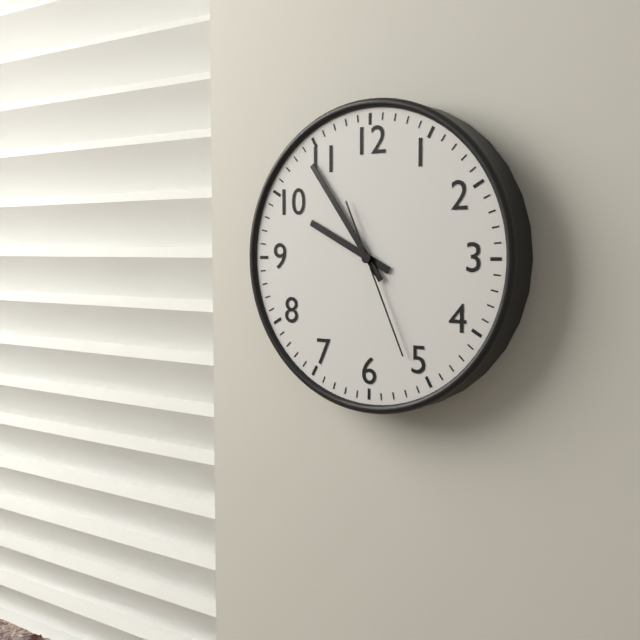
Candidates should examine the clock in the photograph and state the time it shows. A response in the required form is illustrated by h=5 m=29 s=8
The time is h=9 m=54 s=26
